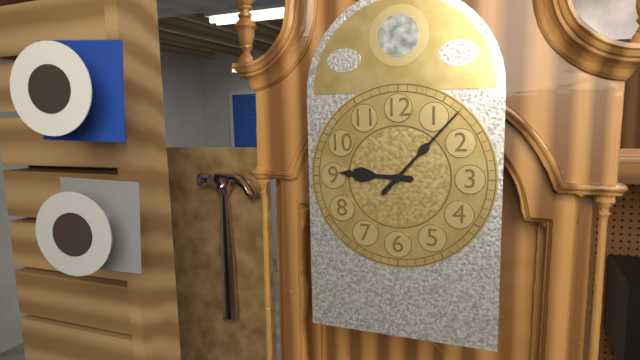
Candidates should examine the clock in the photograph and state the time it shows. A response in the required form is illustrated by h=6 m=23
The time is h=9 m=7
